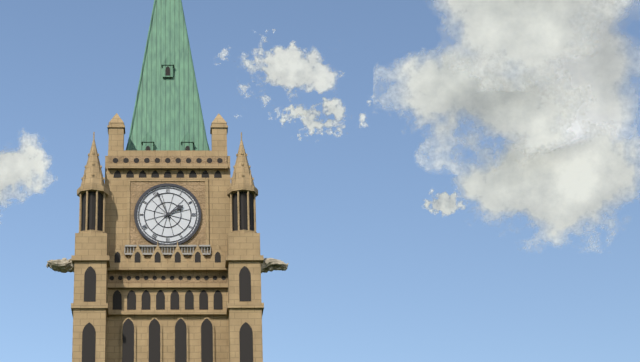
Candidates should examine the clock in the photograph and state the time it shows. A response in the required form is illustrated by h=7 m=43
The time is h=1 m=56
